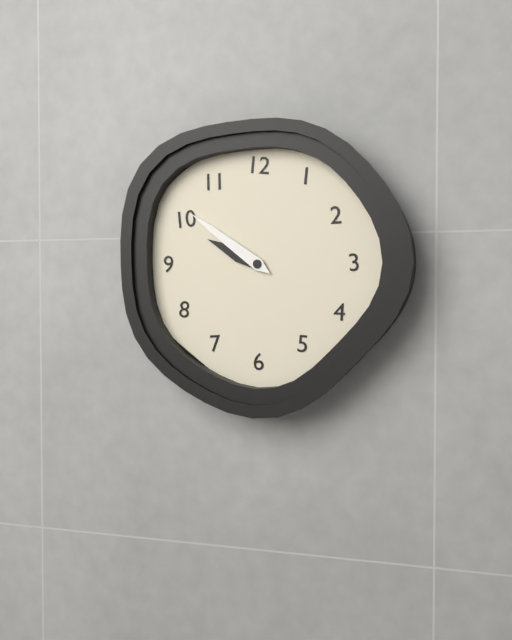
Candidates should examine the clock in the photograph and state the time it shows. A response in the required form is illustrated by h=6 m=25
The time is h=9 m=51
